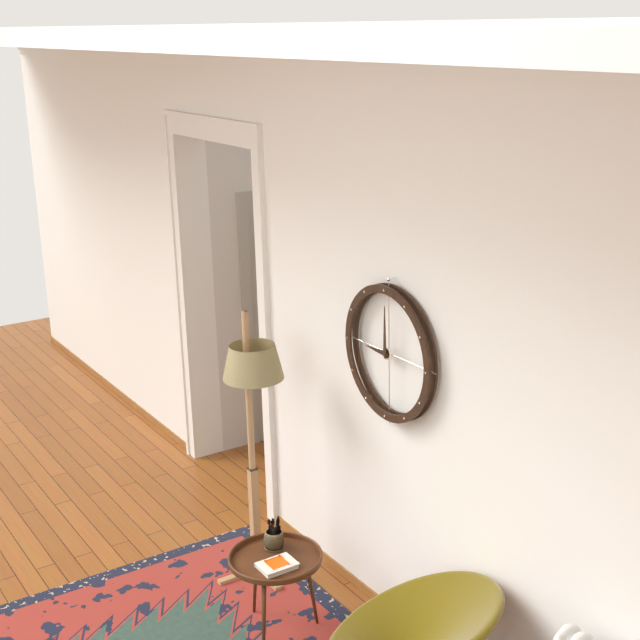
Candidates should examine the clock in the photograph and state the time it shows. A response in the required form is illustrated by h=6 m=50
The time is h=9 m=0
